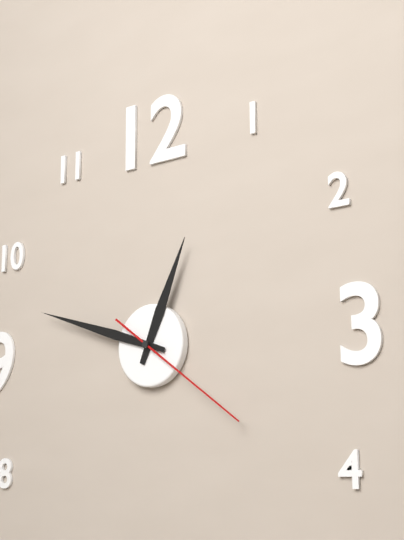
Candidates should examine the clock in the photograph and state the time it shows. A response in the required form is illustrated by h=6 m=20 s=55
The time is h=12 m=48 s=21
